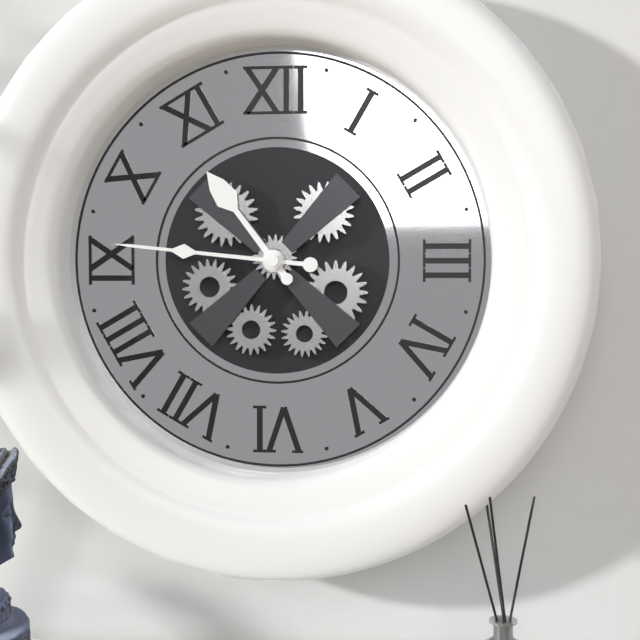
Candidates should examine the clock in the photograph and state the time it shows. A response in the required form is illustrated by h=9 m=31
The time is h=10 m=46
